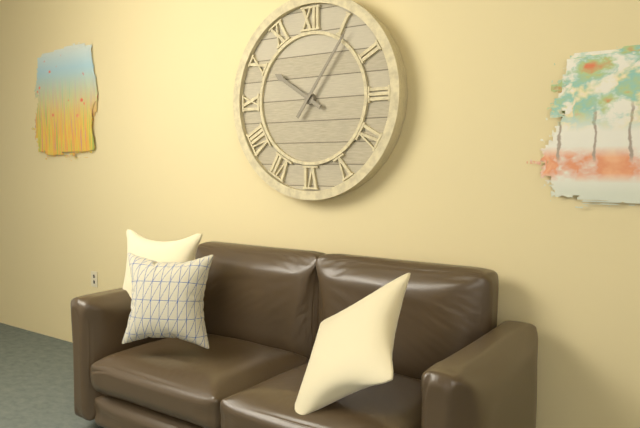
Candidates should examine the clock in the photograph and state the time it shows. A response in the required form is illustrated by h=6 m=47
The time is h=10 m=6
